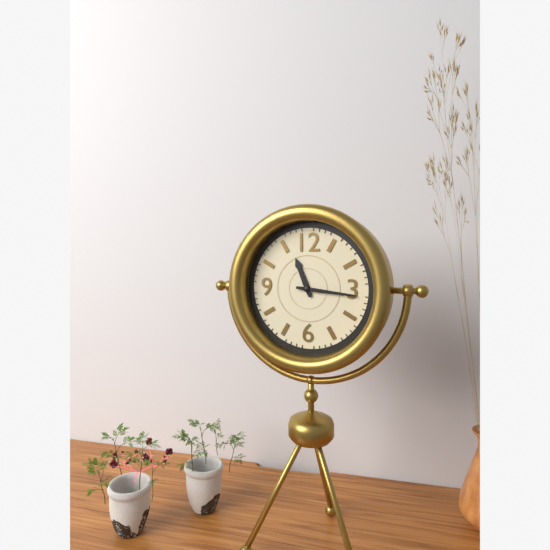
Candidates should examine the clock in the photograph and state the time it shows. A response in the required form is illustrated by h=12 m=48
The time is h=11 m=16
